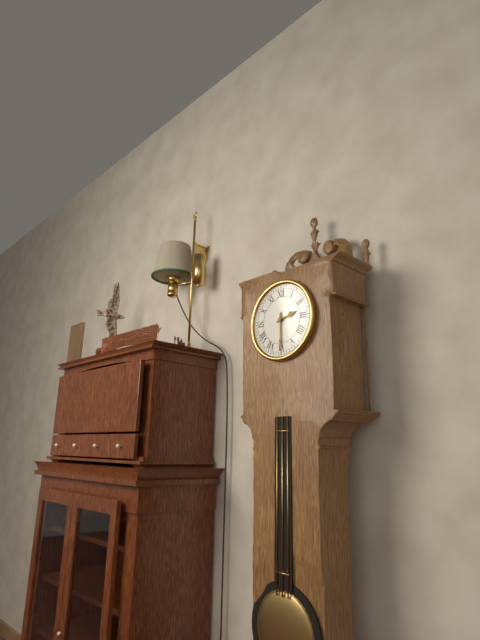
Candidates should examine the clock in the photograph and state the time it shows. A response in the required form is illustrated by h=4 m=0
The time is h=2 m=30
